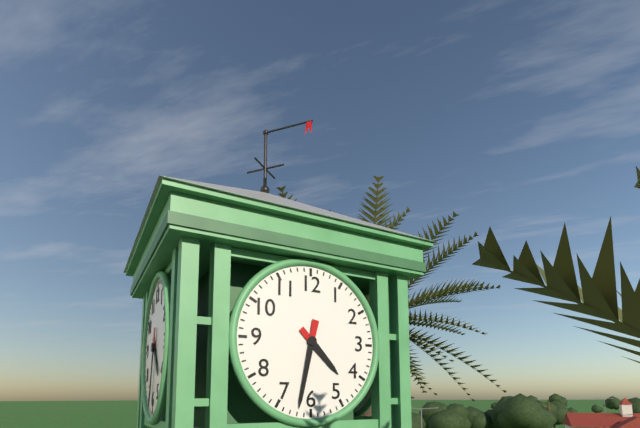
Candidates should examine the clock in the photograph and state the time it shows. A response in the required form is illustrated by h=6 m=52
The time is h=4 m=32
